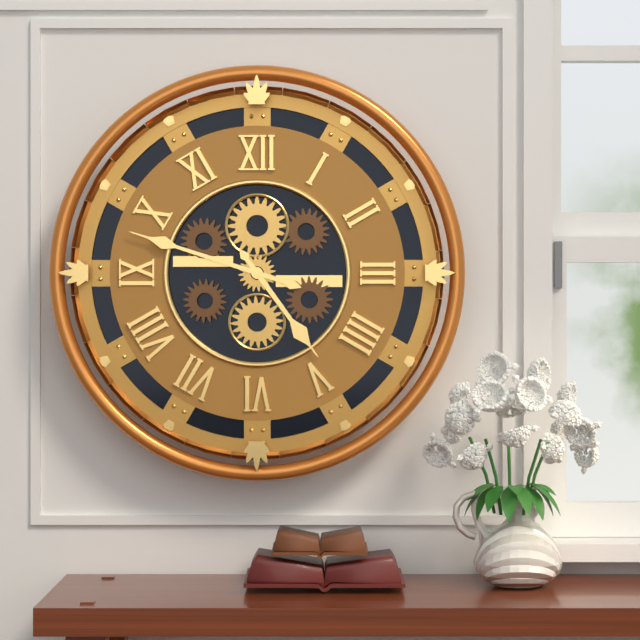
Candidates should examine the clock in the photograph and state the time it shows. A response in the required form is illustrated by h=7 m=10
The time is h=4 m=48
